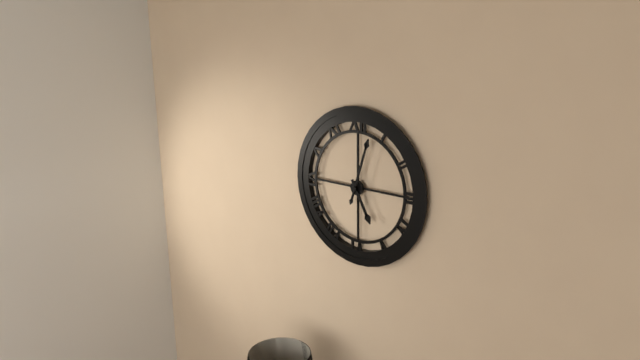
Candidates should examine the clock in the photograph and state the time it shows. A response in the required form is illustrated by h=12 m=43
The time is h=5 m=3
